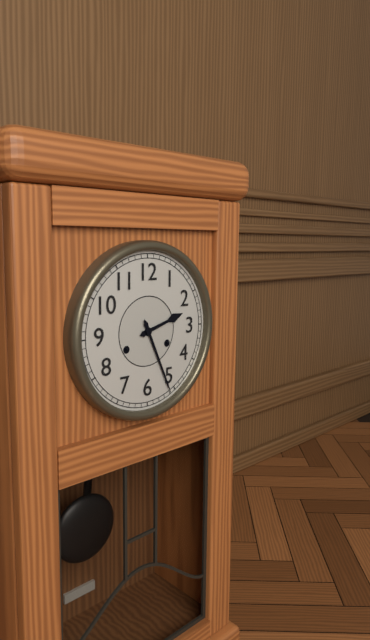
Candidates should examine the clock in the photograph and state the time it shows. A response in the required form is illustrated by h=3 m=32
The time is h=2 m=26
